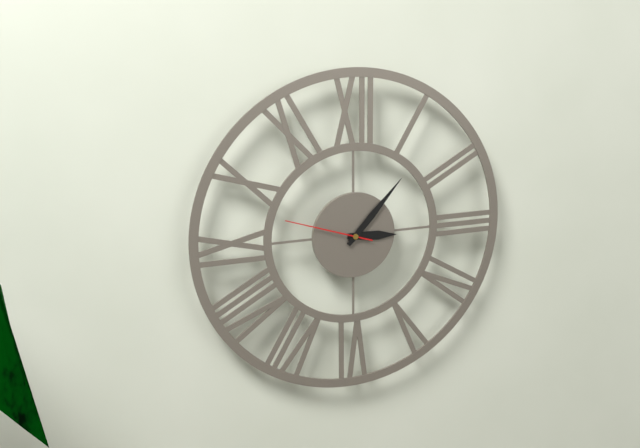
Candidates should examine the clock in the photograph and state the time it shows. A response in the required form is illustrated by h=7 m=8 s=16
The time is h=3 m=7 s=48
